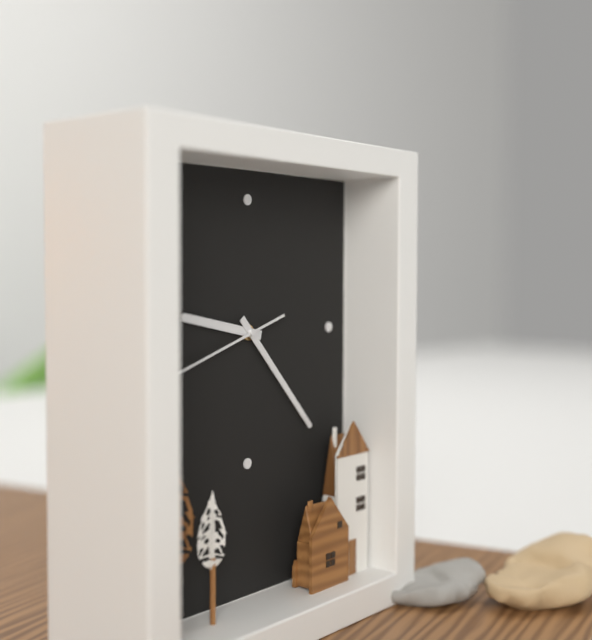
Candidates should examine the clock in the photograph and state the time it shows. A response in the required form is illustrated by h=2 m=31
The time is h=9 m=23
